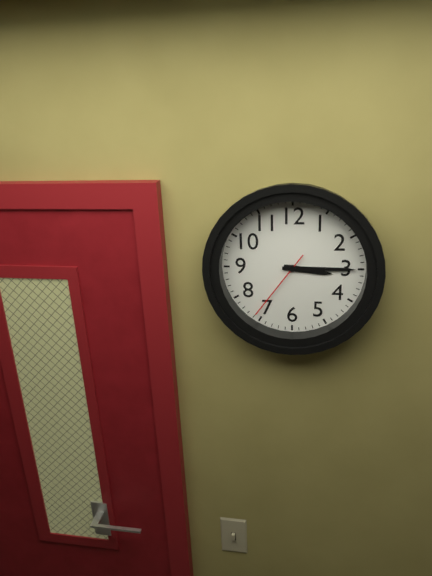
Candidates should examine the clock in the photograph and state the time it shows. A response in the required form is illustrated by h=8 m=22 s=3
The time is h=3 m=15 s=36
